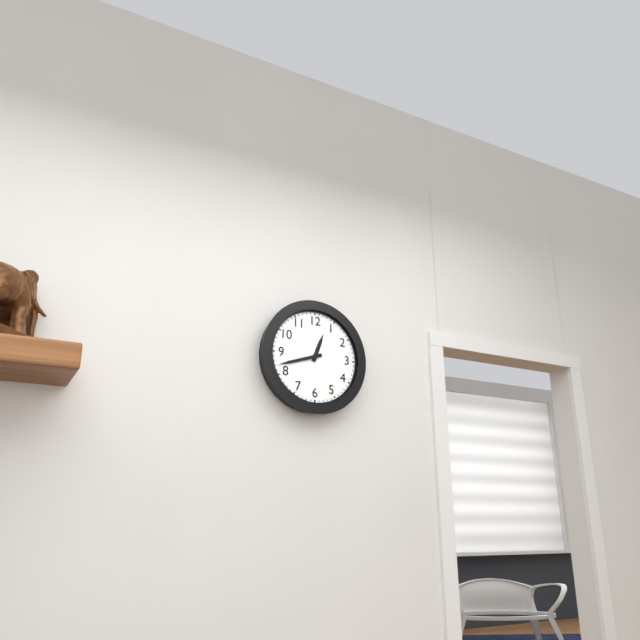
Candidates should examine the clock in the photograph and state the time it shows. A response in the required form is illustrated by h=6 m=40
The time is h=12 m=42
